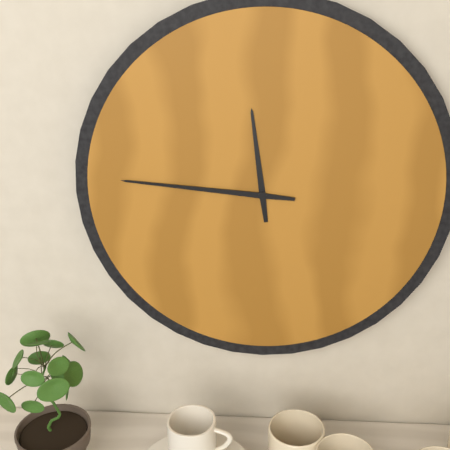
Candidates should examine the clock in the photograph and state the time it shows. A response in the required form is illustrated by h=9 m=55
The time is h=11 m=46
